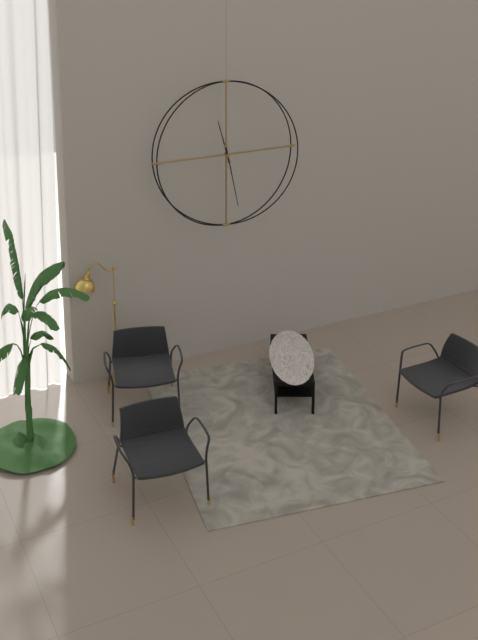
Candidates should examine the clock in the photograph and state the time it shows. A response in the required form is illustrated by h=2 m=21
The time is h=11 m=28
